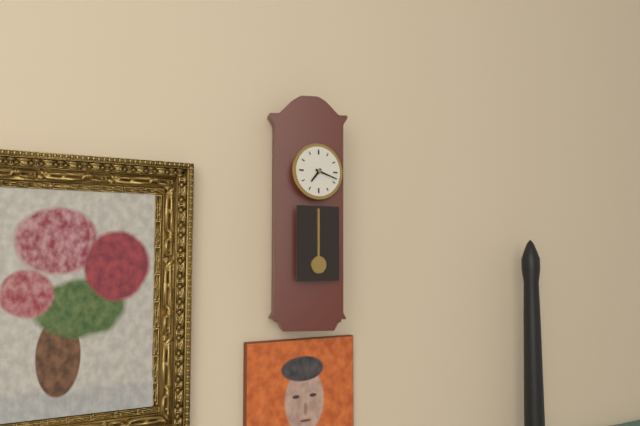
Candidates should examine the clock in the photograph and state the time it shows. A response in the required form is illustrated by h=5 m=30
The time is h=7 m=18
